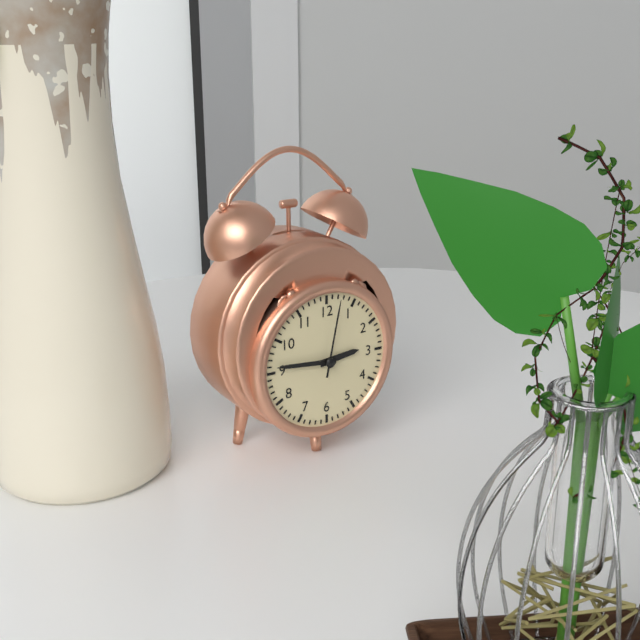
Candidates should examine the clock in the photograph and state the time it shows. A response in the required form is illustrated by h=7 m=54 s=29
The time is h=2 m=46 s=2
